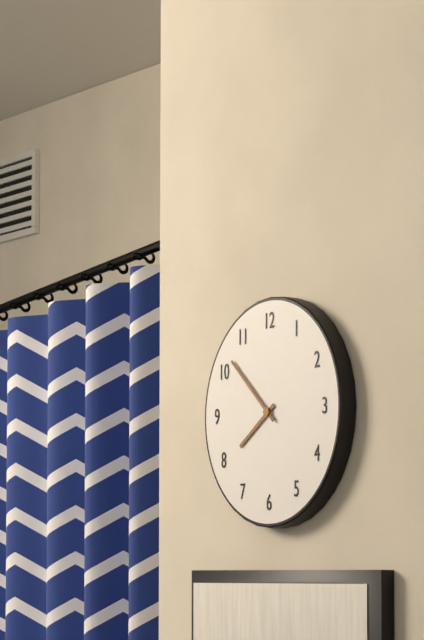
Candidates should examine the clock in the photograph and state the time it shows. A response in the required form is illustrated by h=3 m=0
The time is h=7 m=52
